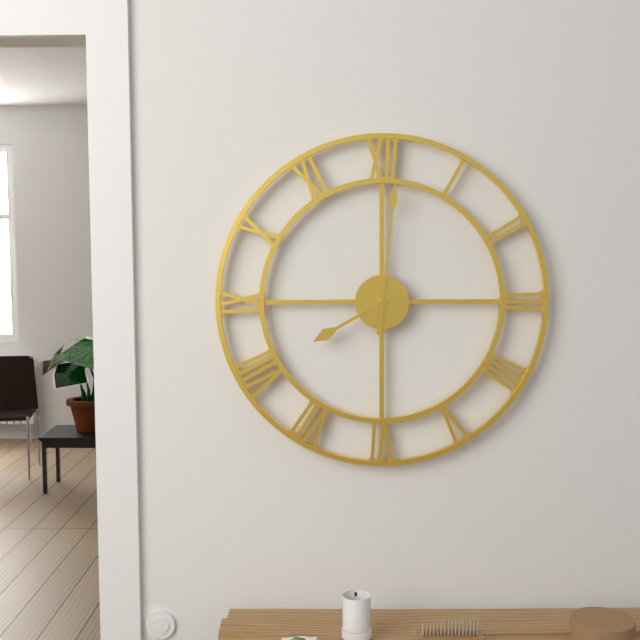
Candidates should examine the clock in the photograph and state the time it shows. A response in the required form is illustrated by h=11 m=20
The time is h=8 m=1
